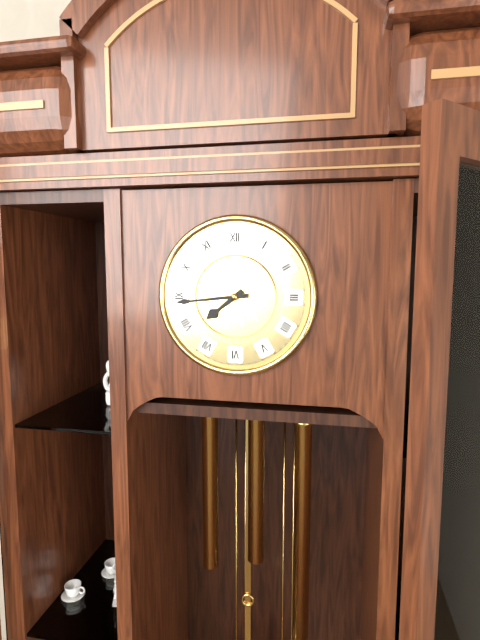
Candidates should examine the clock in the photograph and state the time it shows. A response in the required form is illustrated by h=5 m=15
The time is h=7 m=44
